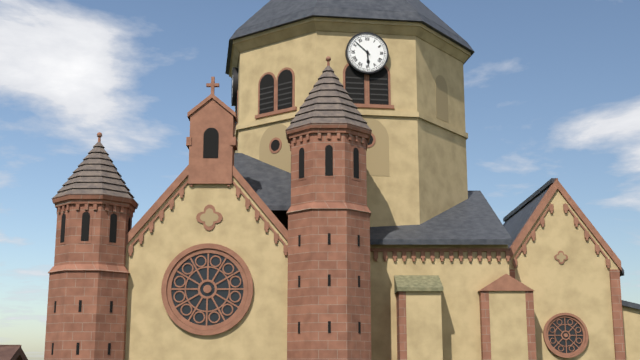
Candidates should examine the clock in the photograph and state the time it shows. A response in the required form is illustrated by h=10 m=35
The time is h=5 m=52
